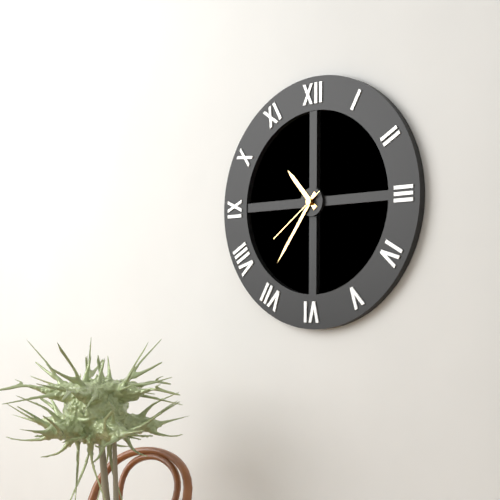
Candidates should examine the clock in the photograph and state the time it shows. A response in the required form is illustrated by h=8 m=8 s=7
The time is h=10 m=36 s=39
